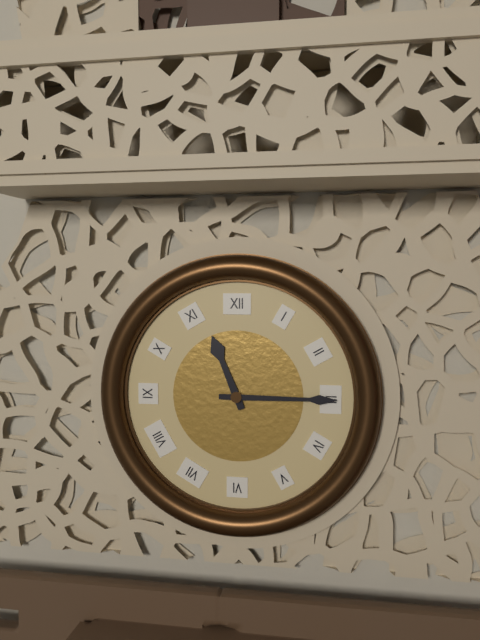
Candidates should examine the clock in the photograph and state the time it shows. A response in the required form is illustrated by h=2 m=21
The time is h=11 m=15
